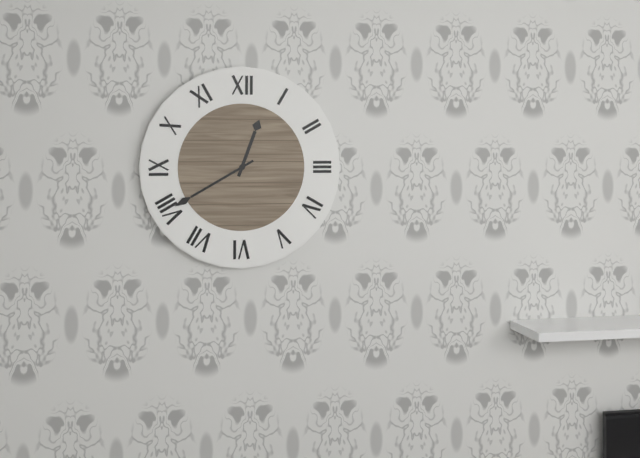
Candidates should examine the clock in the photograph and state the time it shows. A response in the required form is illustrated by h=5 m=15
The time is h=12 m=40
